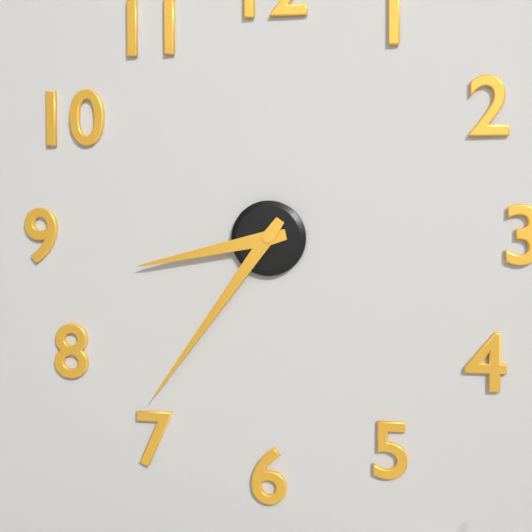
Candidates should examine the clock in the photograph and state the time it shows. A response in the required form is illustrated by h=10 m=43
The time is h=8 m=36
